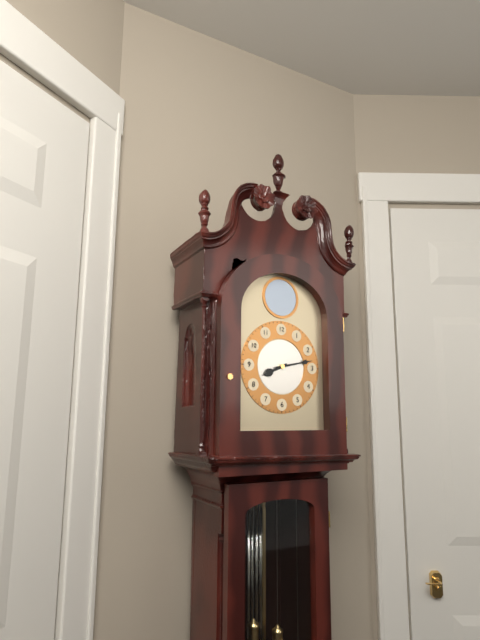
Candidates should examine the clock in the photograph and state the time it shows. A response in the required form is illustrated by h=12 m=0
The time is h=8 m=13
